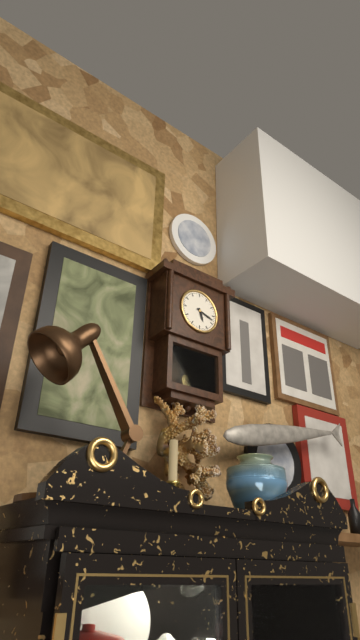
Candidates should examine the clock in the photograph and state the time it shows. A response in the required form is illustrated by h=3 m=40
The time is h=5 m=18
